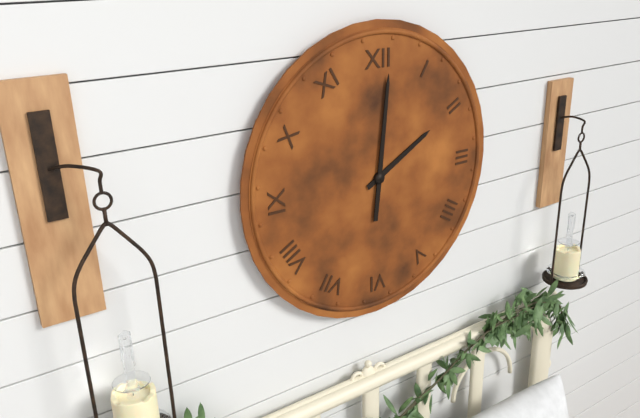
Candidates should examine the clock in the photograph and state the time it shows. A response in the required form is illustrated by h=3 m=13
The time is h=2 m=1
